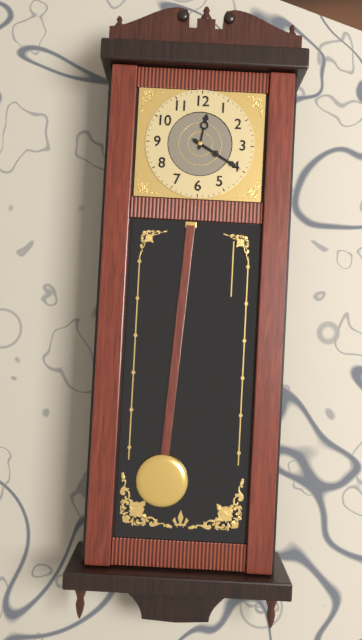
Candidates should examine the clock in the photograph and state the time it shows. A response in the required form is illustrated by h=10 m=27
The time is h=12 m=20
